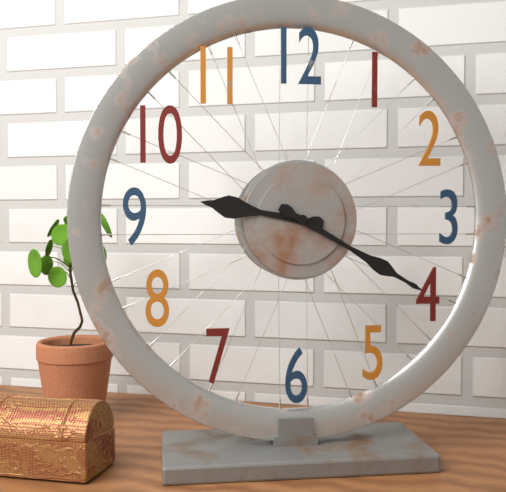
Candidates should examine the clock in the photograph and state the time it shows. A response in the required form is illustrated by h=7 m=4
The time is h=9 m=20
